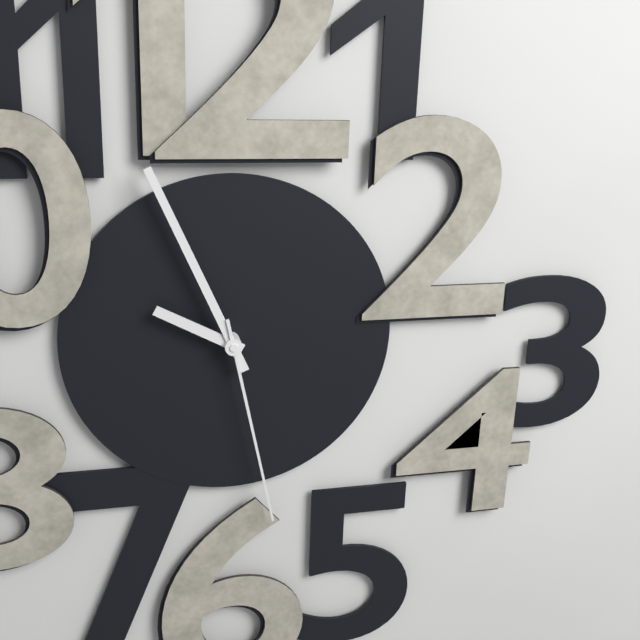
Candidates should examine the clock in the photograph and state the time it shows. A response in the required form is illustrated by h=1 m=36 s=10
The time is h=9 m=56 s=28
